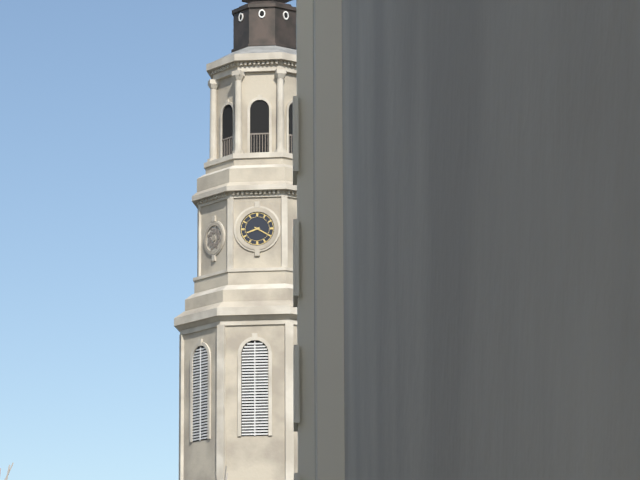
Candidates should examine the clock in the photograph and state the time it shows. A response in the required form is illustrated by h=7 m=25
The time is h=8 m=20
